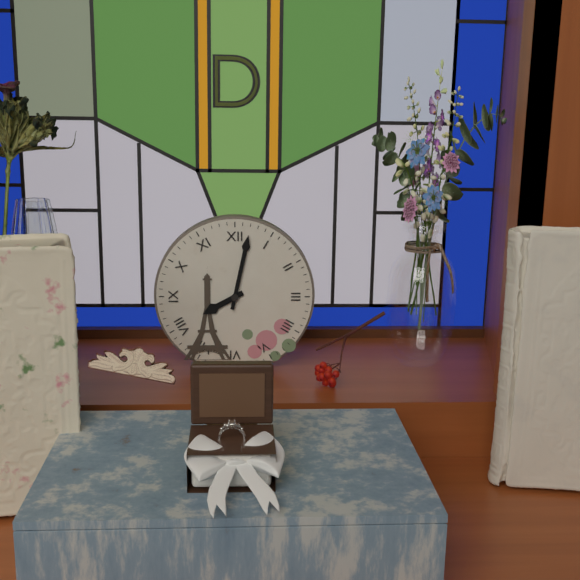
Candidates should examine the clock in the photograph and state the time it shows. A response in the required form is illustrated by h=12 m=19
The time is h=8 m=2
